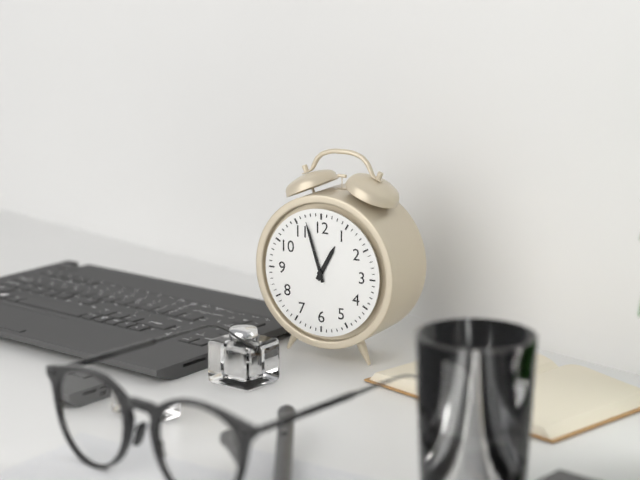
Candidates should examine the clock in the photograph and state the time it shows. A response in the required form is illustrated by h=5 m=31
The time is h=12 m=57
